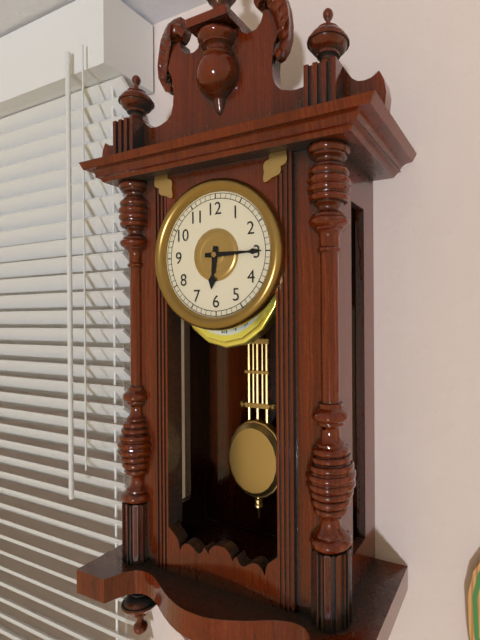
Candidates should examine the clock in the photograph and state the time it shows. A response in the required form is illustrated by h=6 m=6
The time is h=6 m=15
